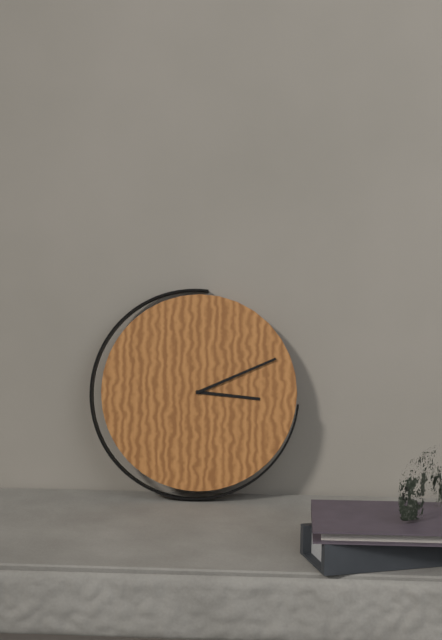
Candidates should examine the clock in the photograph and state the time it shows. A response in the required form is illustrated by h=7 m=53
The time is h=3 m=11
